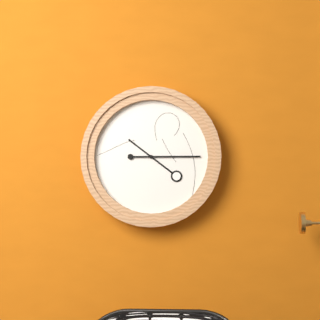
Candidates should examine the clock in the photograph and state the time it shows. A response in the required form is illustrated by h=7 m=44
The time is h=10 m=15
